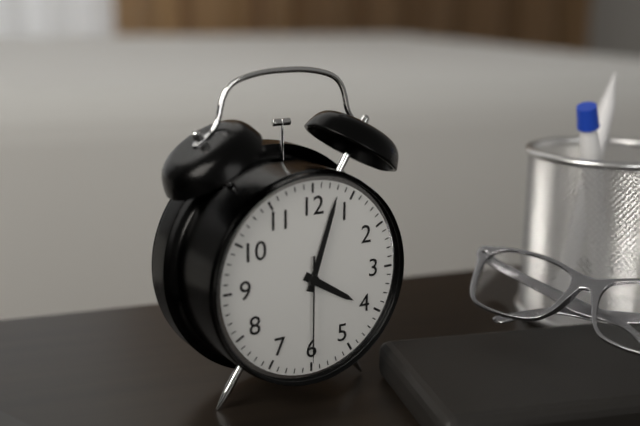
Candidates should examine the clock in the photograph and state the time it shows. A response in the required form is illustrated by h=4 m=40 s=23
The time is h=4 m=3 s=30
